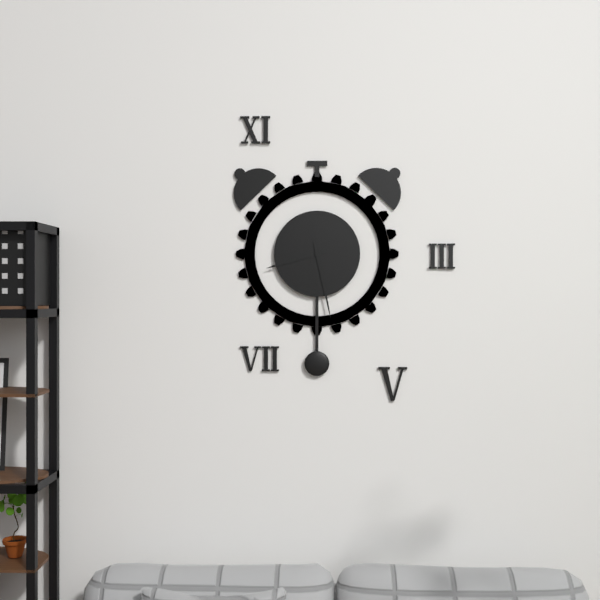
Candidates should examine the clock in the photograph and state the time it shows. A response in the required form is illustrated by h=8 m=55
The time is h=8 m=28
